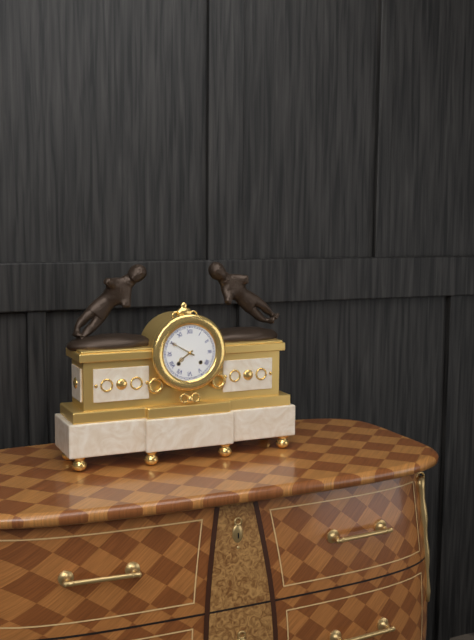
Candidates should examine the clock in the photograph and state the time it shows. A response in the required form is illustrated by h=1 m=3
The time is h=7 m=50
